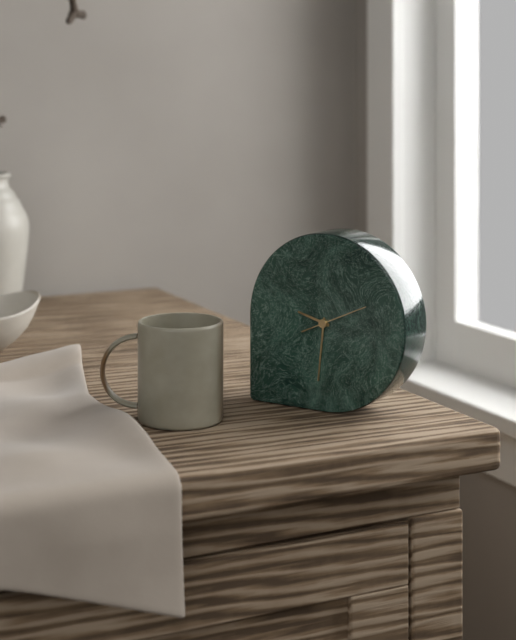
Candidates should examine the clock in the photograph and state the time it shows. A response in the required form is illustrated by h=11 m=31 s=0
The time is h=9 m=31 s=11
